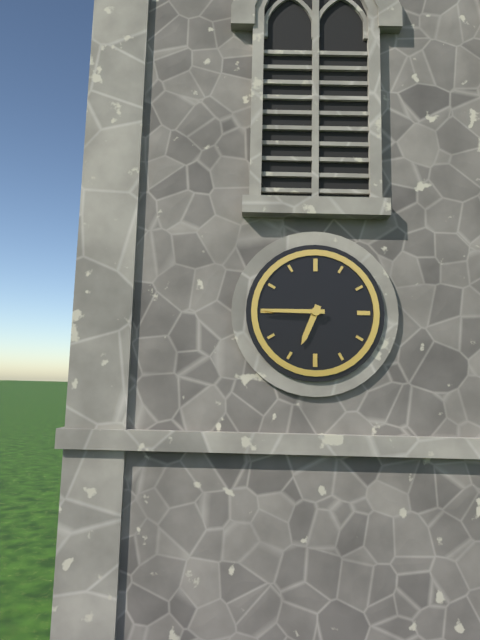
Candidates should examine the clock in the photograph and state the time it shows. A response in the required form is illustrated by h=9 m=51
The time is h=6 m=45
